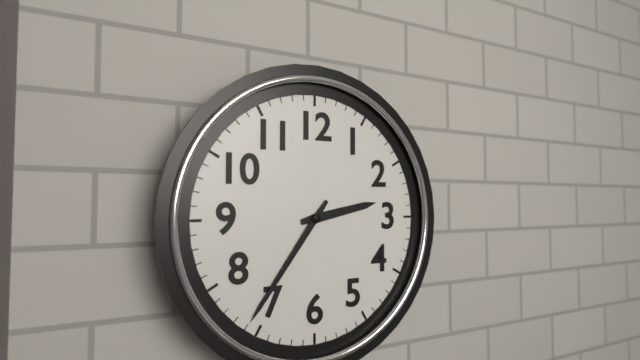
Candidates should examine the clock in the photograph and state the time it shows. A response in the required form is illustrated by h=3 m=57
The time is h=2 m=36
